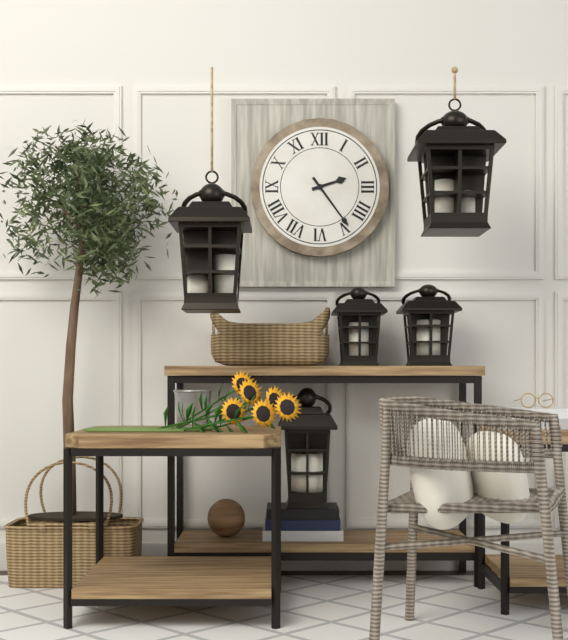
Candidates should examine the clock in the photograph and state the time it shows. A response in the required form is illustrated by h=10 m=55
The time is h=2 m=24
